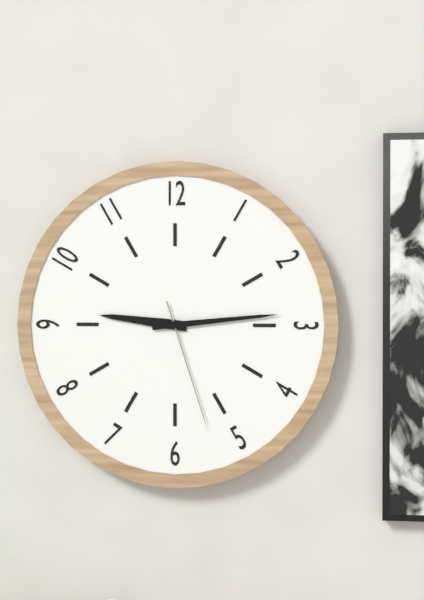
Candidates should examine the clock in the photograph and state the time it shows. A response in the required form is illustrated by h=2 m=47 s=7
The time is h=9 m=14 s=27
